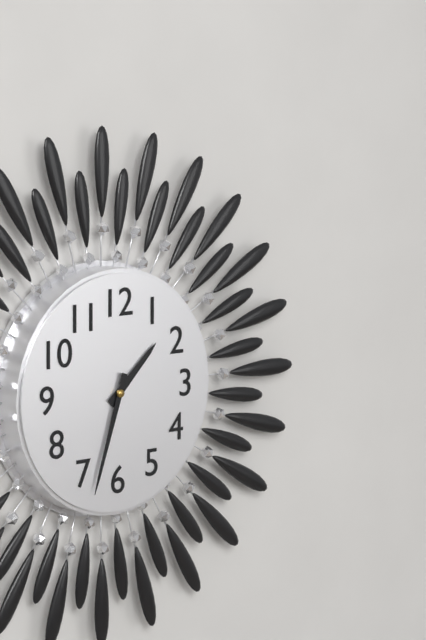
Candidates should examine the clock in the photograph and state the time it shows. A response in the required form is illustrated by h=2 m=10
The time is h=1 m=33
